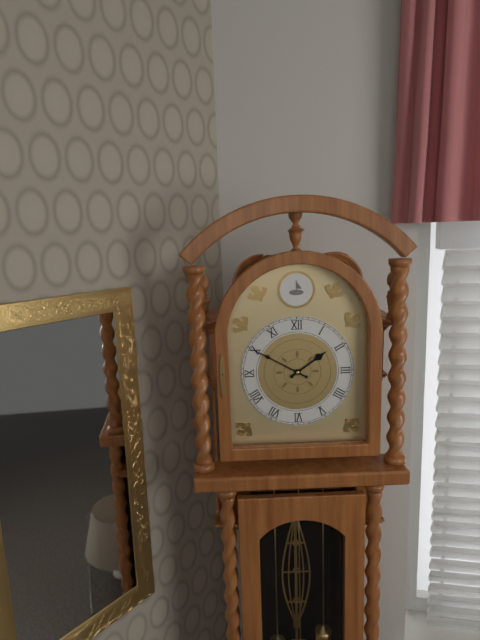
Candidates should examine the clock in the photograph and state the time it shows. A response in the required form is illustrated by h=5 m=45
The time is h=1 m=50
